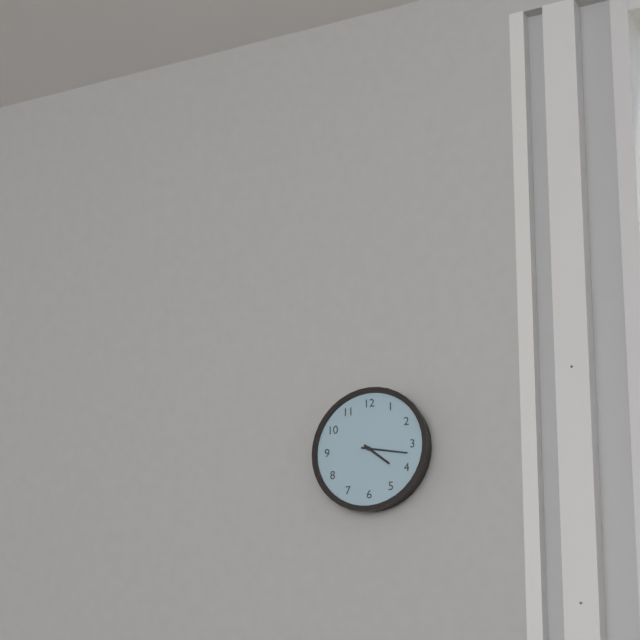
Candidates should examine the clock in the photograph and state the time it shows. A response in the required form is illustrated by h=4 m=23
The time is h=4 m=17
